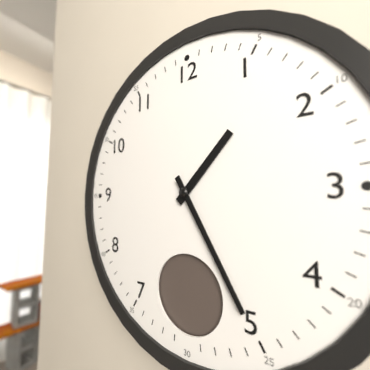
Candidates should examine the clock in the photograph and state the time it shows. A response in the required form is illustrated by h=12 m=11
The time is h=1 m=25
